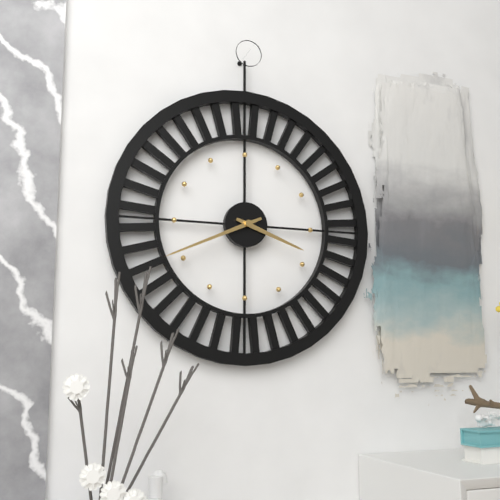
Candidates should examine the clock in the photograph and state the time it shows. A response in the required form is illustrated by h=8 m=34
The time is h=3 m=41
